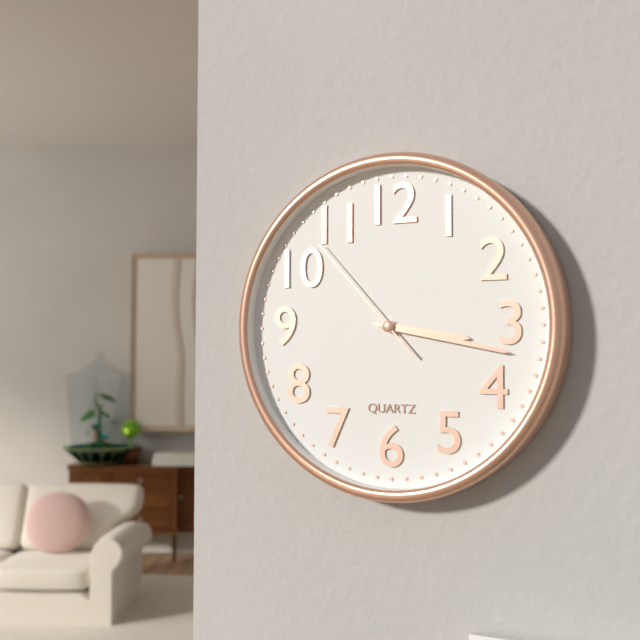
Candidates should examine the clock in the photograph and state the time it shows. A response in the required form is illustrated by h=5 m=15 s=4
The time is h=3 m=17 s=53
